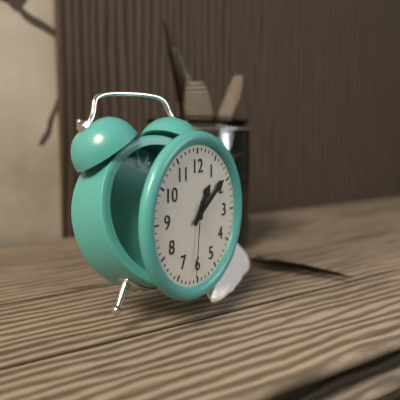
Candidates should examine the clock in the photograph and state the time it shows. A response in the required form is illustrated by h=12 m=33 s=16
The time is h=1 m=9 s=31
